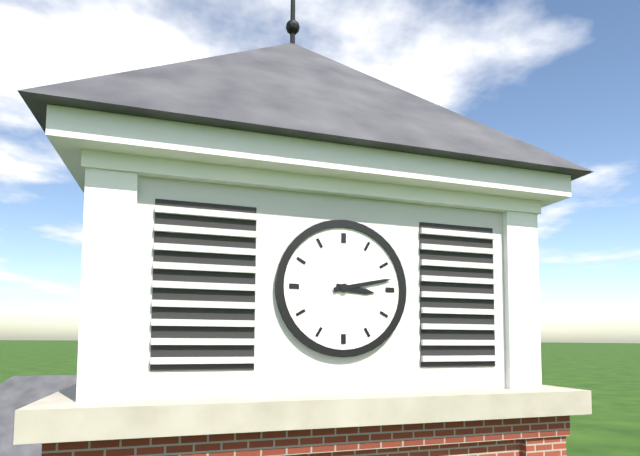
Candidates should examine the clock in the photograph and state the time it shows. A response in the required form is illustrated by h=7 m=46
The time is h=3 m=13
